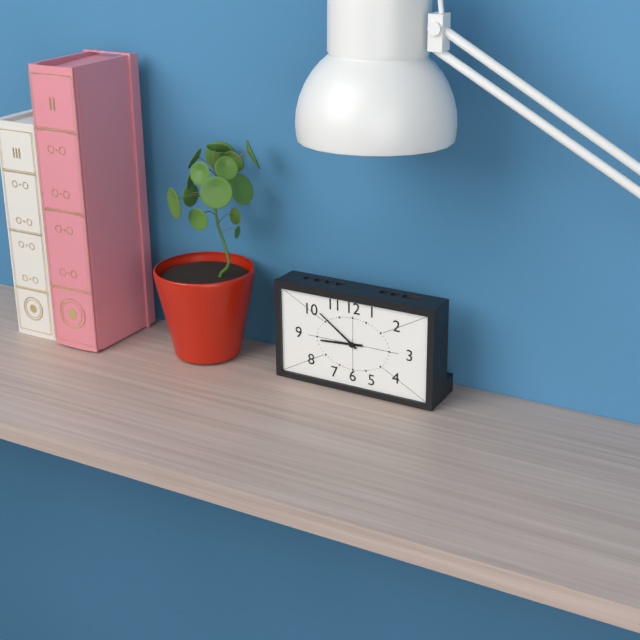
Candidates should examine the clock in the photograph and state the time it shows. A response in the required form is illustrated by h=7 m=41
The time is h=8 m=51
